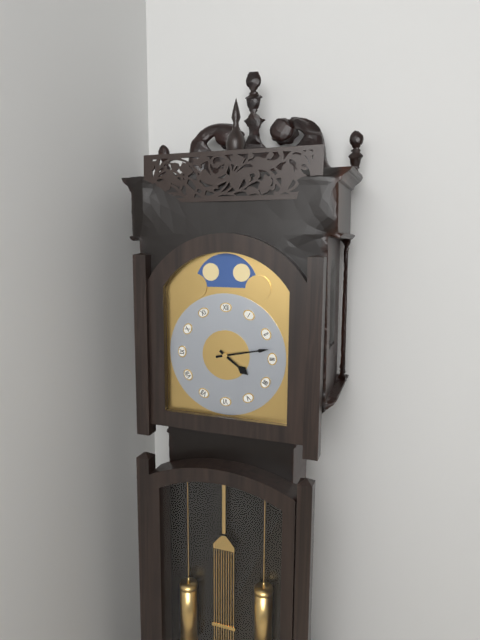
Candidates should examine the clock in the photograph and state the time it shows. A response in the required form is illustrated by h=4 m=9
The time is h=4 m=13
